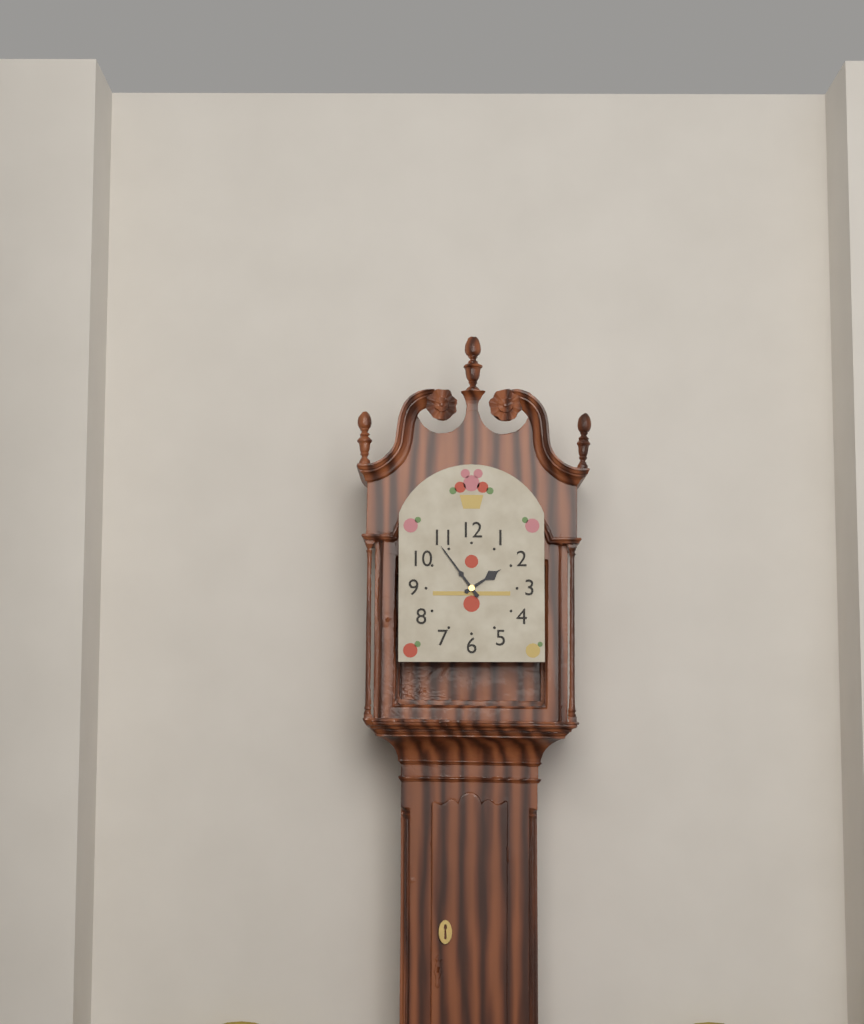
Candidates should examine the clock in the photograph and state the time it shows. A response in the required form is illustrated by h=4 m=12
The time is h=1 m=54
